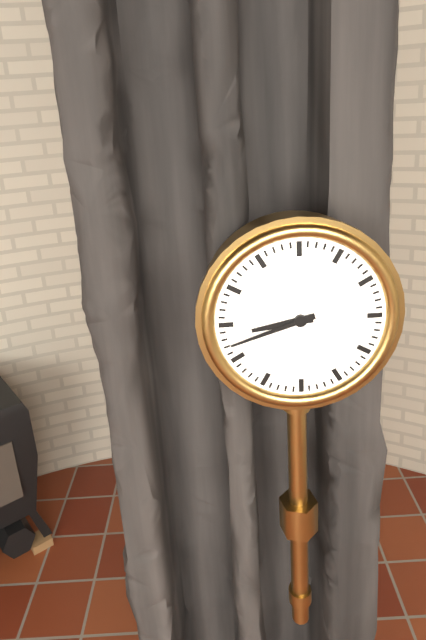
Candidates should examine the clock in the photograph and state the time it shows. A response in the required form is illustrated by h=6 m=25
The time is h=8 m=42
